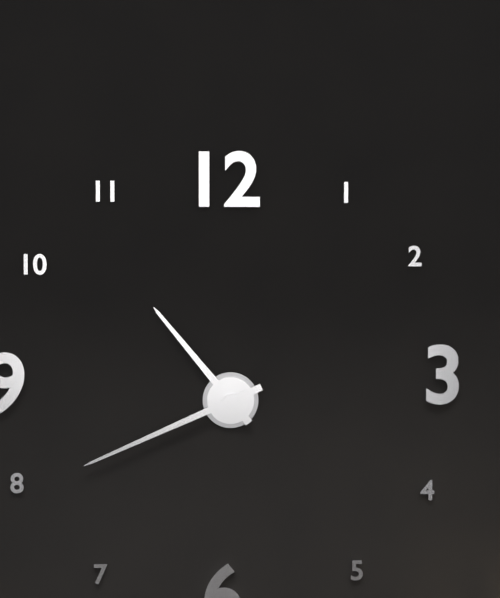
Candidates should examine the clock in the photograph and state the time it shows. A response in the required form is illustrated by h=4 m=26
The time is h=10 m=41
